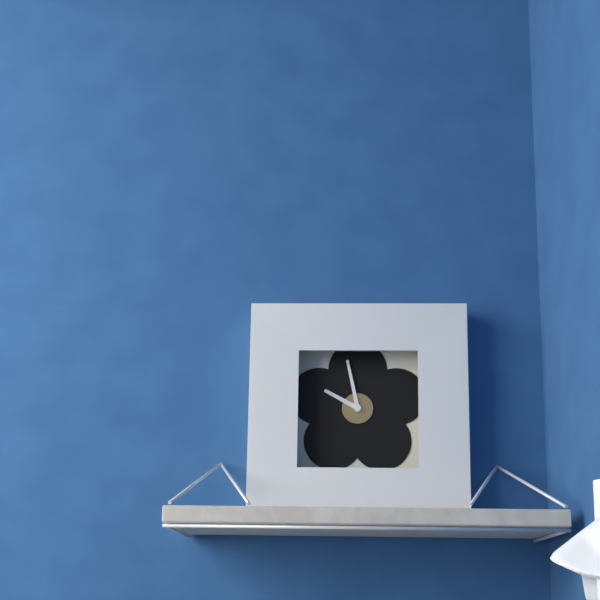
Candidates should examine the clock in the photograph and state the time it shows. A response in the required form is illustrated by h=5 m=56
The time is h=9 m=58
